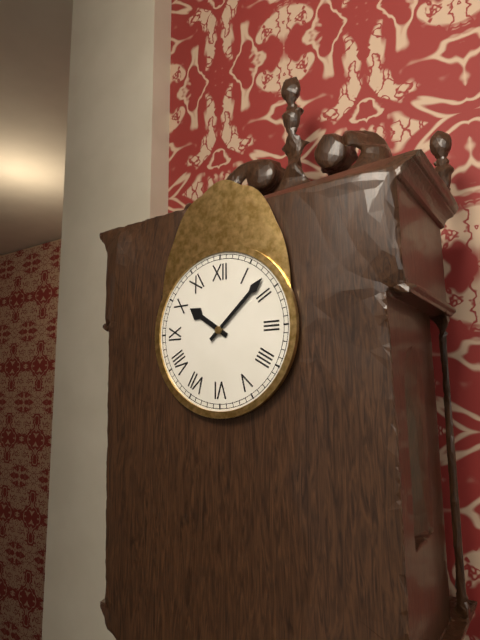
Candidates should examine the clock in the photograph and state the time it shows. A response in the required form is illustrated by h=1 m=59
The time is h=10 m=8
